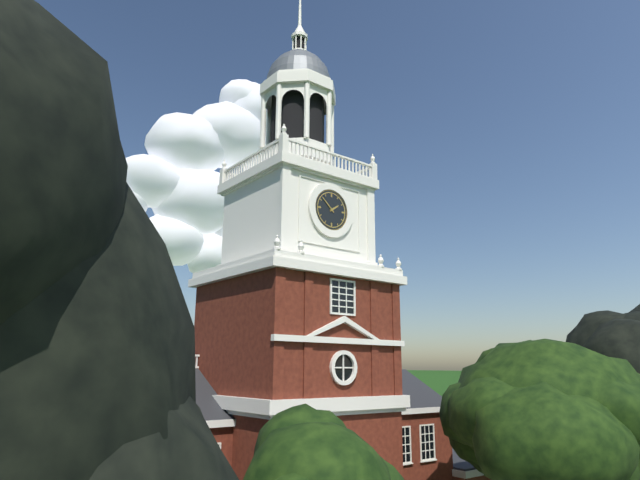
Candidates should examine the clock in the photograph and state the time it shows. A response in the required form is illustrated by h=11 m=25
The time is h=1 m=52
